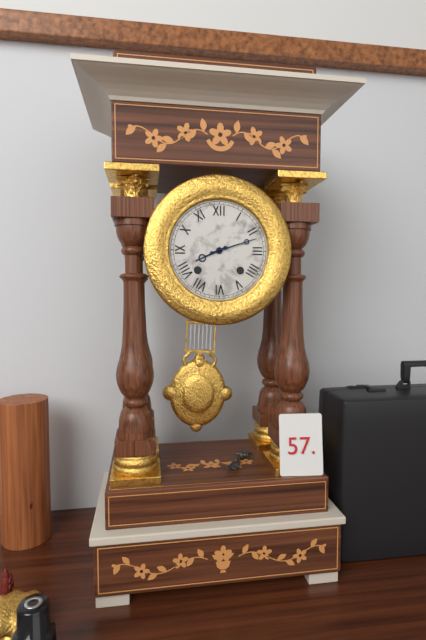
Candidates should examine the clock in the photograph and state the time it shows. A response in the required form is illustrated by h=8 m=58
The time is h=8 m=12
